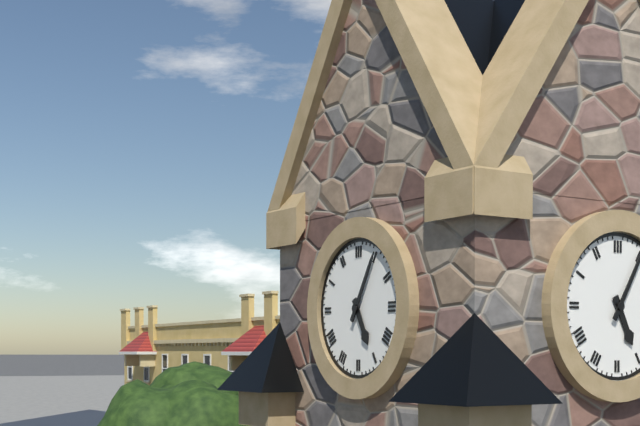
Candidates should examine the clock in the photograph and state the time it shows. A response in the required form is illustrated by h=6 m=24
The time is h=5 m=5
